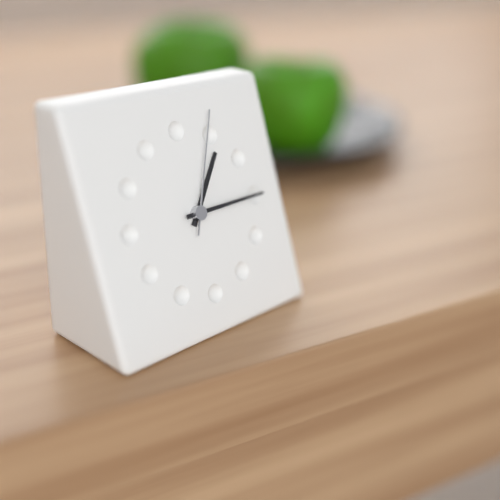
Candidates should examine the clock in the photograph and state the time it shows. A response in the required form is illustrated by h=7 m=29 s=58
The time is h=1 m=15 s=4
